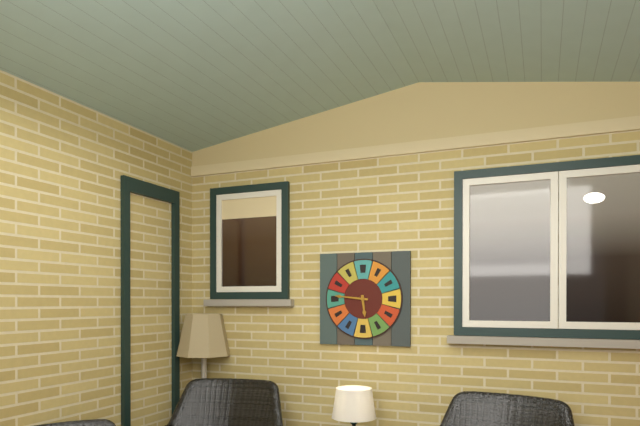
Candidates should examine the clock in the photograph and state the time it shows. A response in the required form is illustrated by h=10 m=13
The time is h=5 m=46
